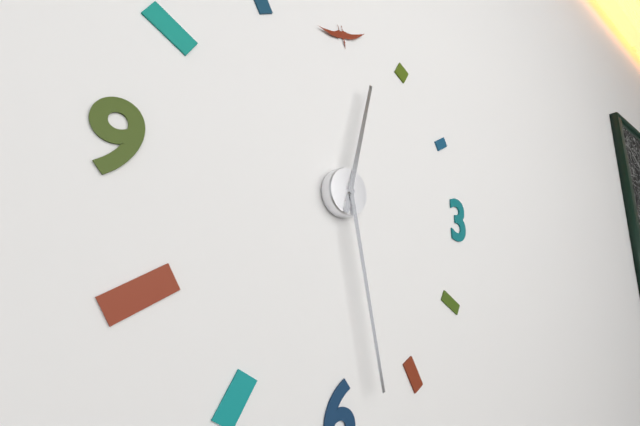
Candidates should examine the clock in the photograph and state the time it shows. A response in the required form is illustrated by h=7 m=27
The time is h=12 m=28
